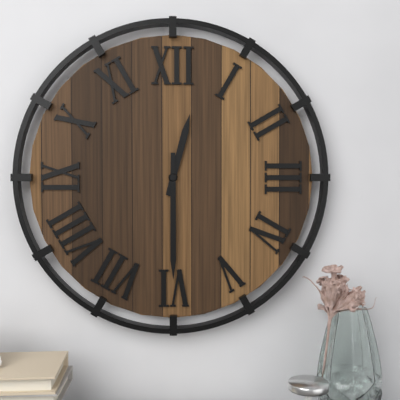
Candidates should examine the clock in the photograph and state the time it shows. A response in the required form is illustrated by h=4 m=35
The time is h=12 m=30
